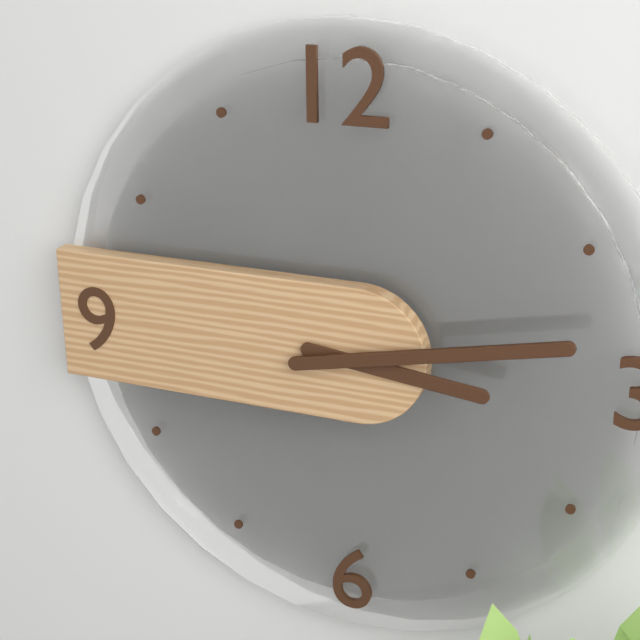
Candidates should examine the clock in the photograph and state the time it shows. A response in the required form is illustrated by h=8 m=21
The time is h=3 m=13
